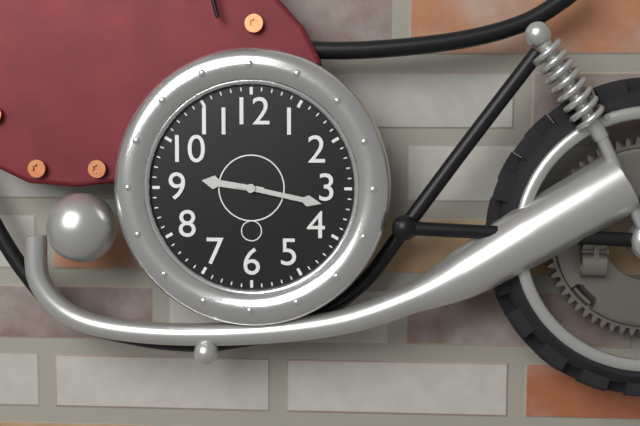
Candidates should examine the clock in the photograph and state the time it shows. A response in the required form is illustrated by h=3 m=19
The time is h=9 m=17
